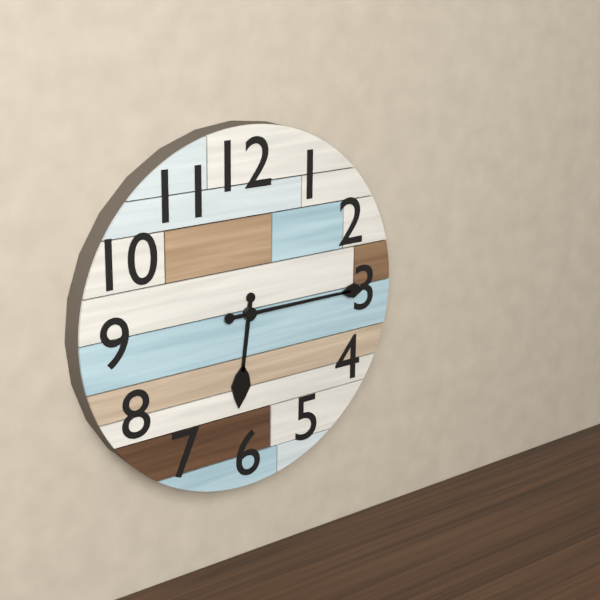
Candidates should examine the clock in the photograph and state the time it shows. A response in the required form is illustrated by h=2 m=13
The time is h=6 m=15
